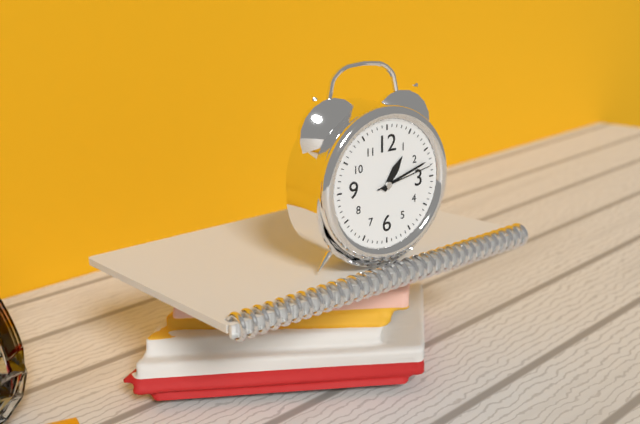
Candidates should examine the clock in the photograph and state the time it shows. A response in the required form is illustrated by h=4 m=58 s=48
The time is h=1 m=12 s=13
